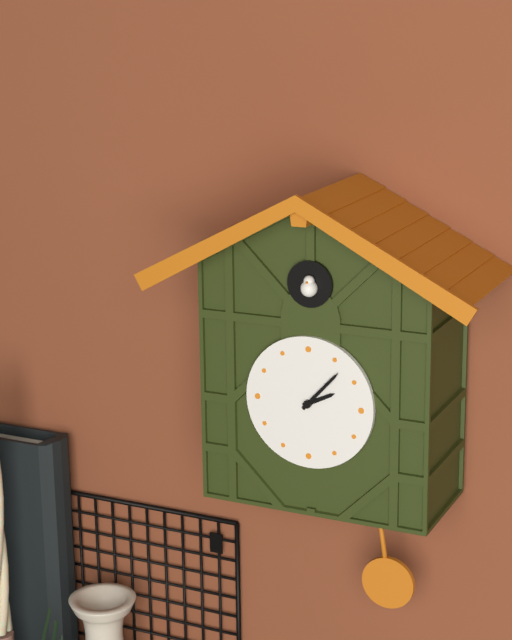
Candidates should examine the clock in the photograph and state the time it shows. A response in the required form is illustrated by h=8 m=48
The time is h=2 m=7
